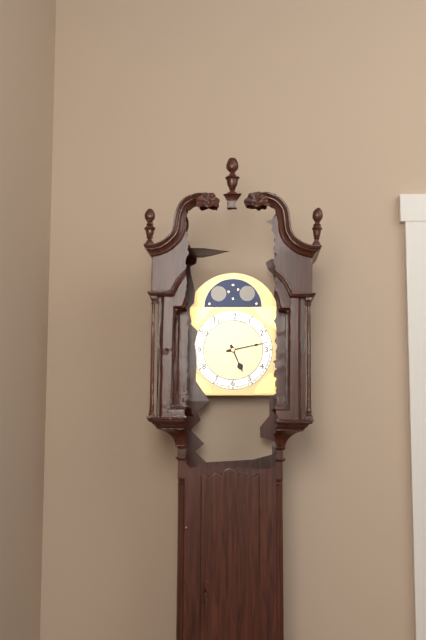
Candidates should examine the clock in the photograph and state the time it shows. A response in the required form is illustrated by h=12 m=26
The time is h=5 m=13
